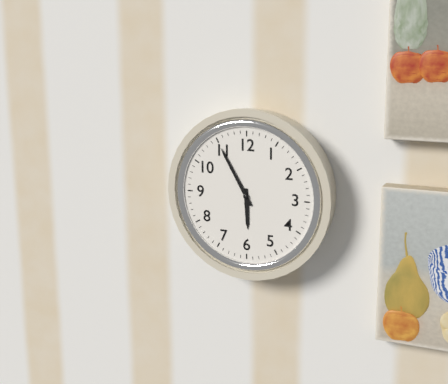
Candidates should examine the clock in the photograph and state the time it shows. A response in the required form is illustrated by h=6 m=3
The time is h=5 m=55
